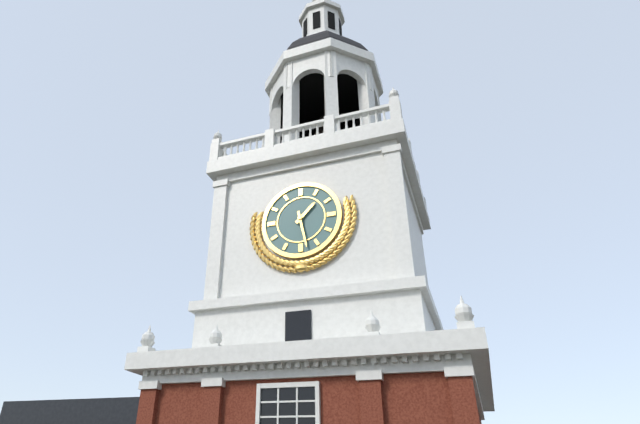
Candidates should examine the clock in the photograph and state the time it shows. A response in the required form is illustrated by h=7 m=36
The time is h=1 m=28
